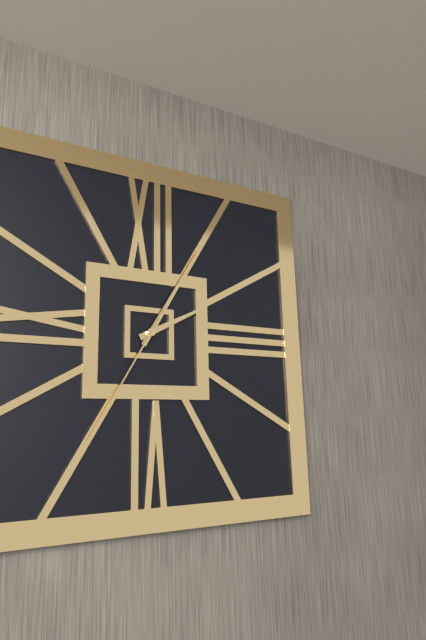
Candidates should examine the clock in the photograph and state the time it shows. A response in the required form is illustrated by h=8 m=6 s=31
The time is h=2 m=5 s=35
